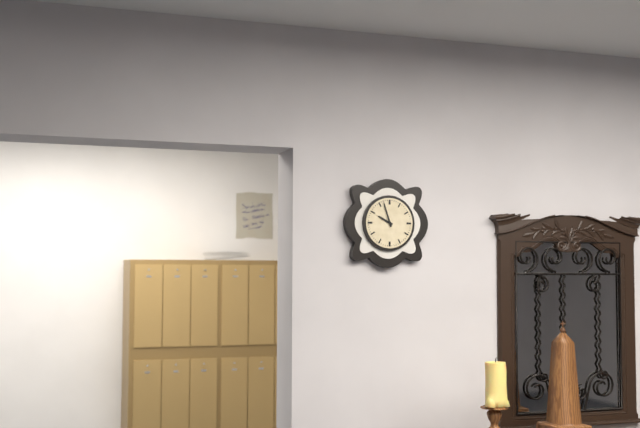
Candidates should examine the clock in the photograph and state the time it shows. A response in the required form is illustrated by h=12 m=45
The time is h=9 m=57
